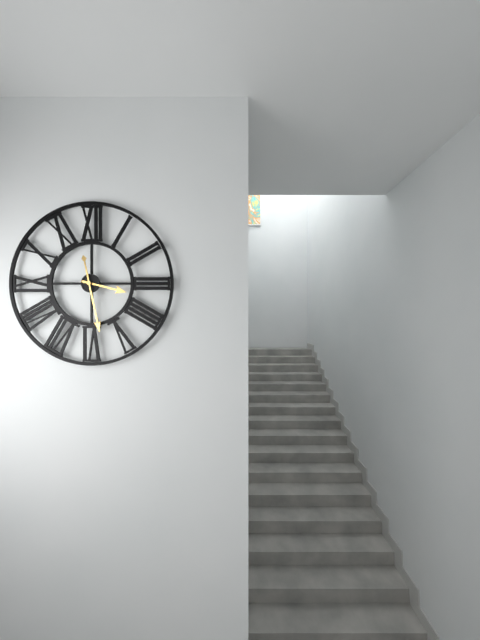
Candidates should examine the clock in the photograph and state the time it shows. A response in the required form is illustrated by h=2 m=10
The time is h=3 m=28
